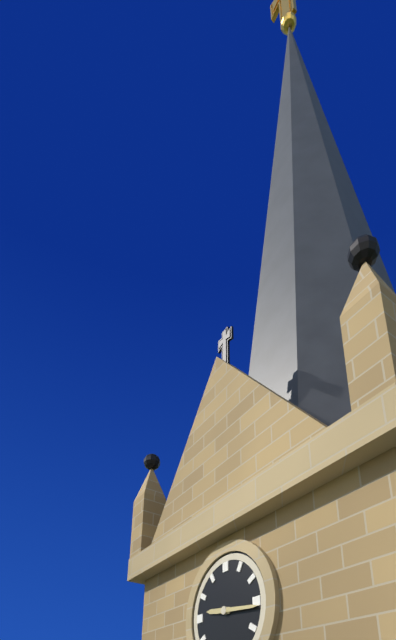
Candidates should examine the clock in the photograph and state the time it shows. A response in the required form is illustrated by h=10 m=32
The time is h=9 m=16
